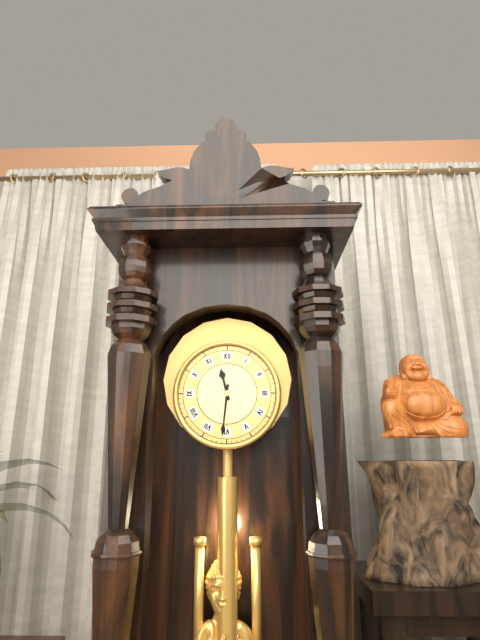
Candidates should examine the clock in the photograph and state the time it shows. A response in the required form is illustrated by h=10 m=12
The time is h=11 m=31
